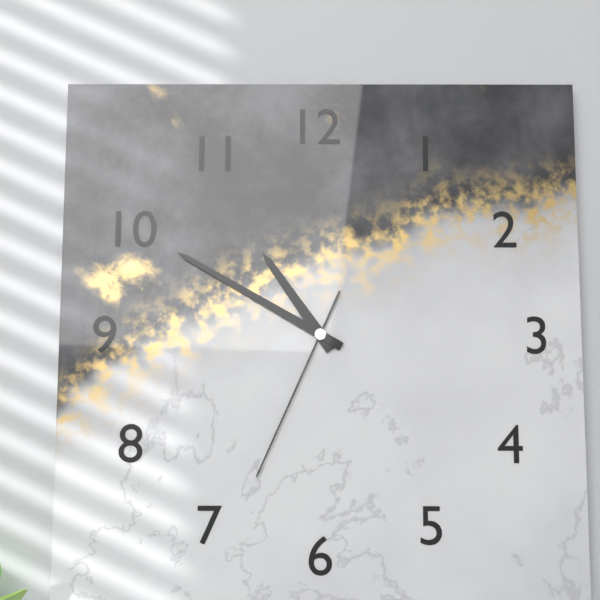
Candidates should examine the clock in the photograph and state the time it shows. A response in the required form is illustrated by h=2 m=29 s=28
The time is h=10 m=50 s=34
